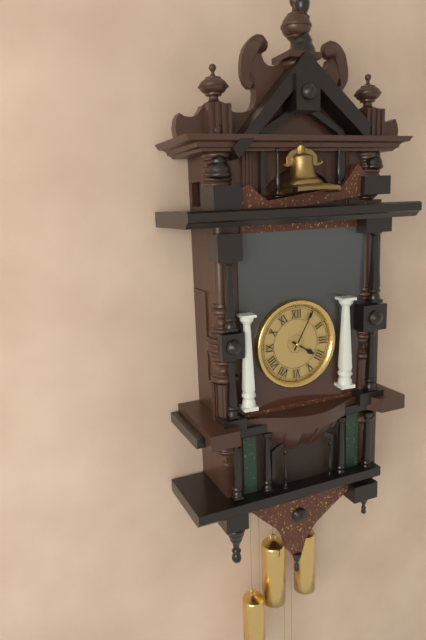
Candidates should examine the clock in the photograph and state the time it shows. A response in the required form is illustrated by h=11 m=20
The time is h=4 m=5
